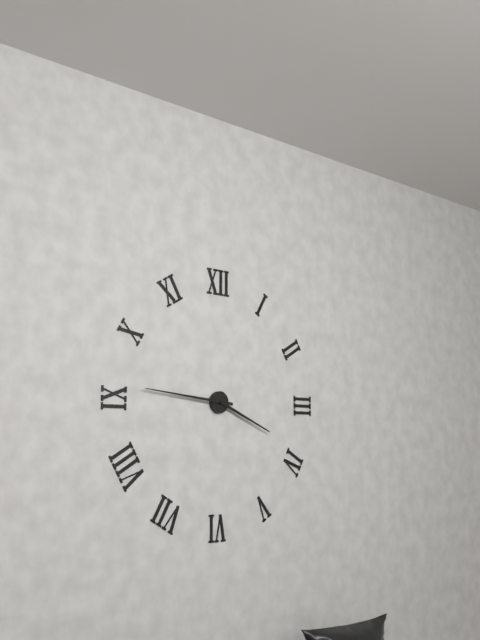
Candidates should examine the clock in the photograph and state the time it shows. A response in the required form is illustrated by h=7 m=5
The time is h=3 m=46
